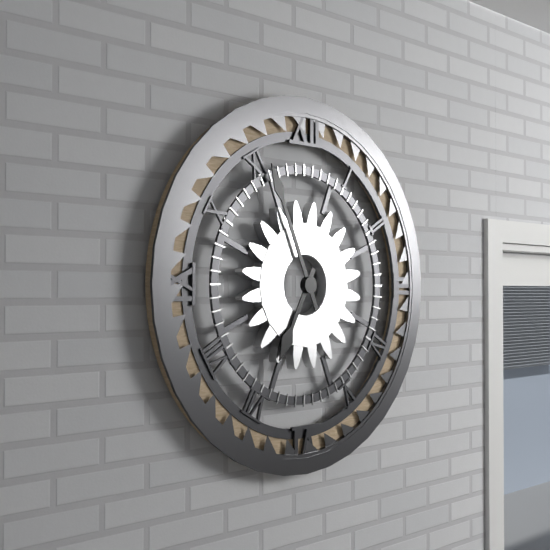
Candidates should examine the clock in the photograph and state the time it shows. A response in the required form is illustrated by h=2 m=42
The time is h=6 m=56
